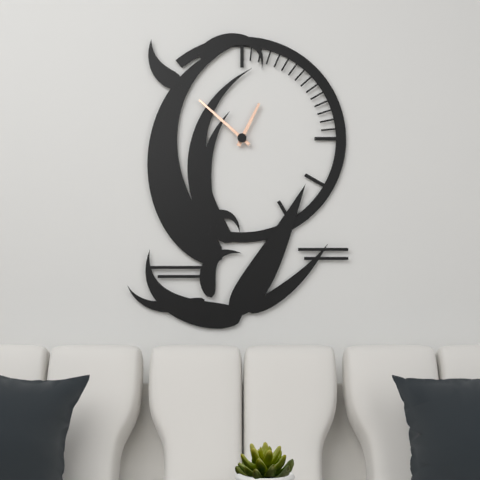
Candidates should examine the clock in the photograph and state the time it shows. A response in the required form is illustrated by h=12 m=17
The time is h=12 m=52
